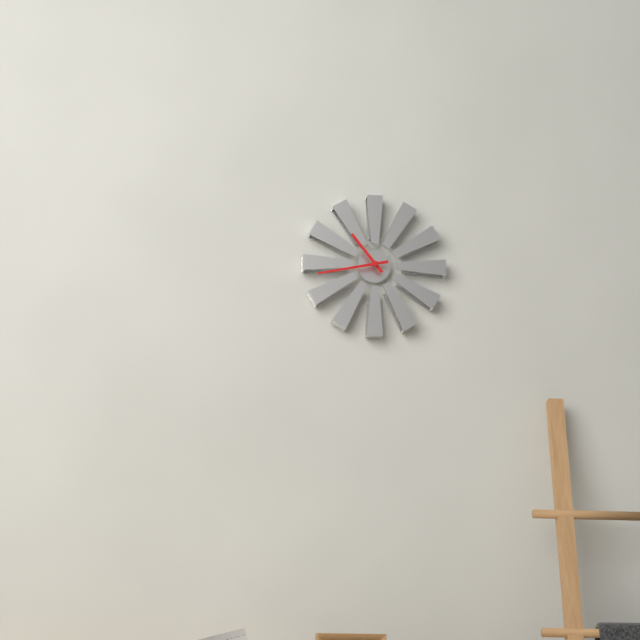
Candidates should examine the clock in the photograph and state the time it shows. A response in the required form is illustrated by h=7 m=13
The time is h=10 m=43
